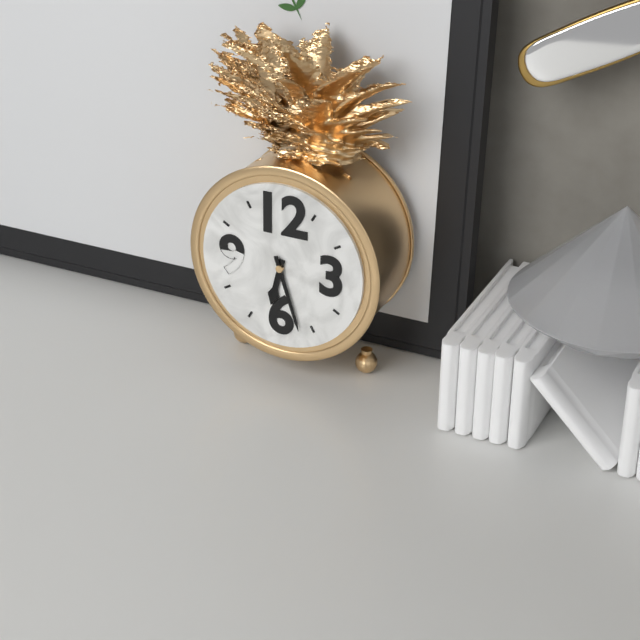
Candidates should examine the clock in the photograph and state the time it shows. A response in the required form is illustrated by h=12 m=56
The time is h=6 m=27
